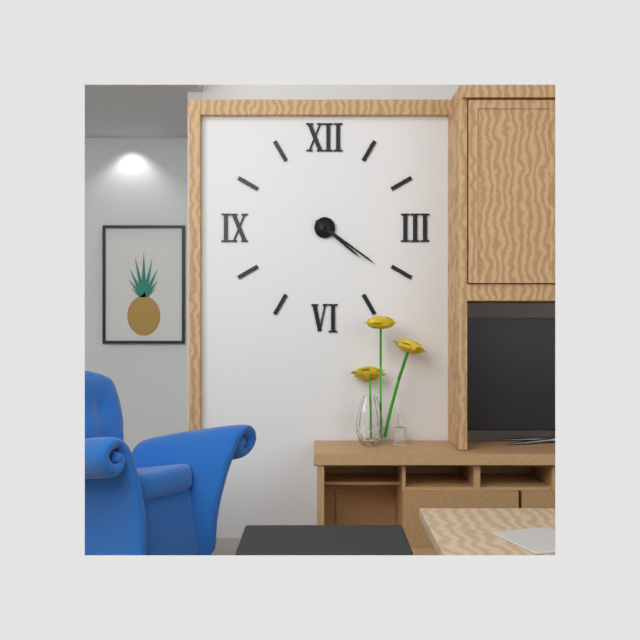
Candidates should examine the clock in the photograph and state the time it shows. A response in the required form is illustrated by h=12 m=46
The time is h=4 m=21
